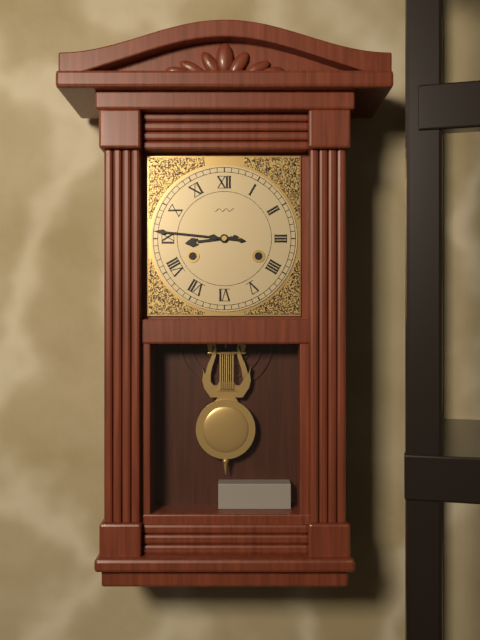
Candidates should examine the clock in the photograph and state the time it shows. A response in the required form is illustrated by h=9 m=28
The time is h=8 m=46
